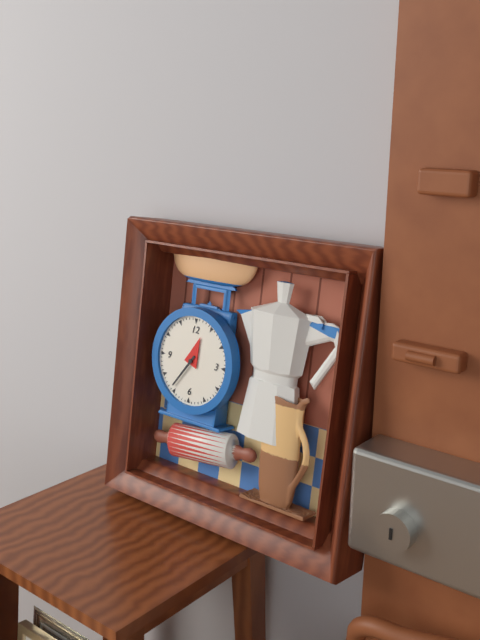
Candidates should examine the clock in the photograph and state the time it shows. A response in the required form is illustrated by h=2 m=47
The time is h=12 m=36
